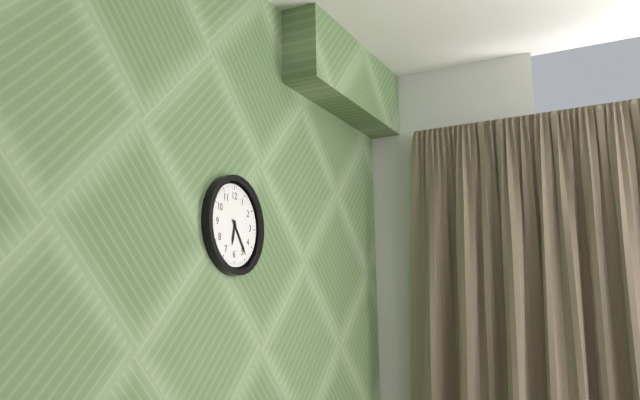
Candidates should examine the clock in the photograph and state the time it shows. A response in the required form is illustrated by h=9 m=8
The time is h=6 m=24
